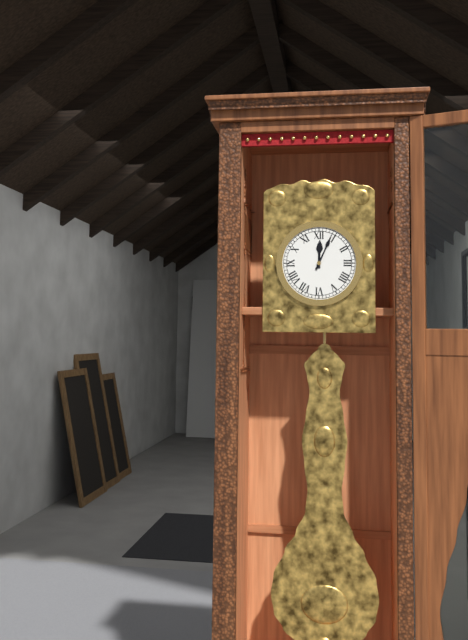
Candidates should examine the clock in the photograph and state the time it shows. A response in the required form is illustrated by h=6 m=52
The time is h=12 m=4
